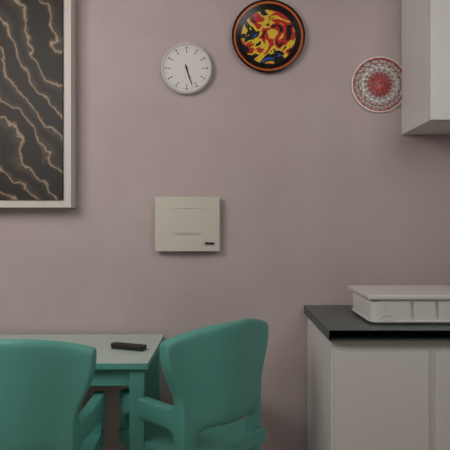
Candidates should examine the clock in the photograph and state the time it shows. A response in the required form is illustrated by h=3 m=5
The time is h=5 m=27
